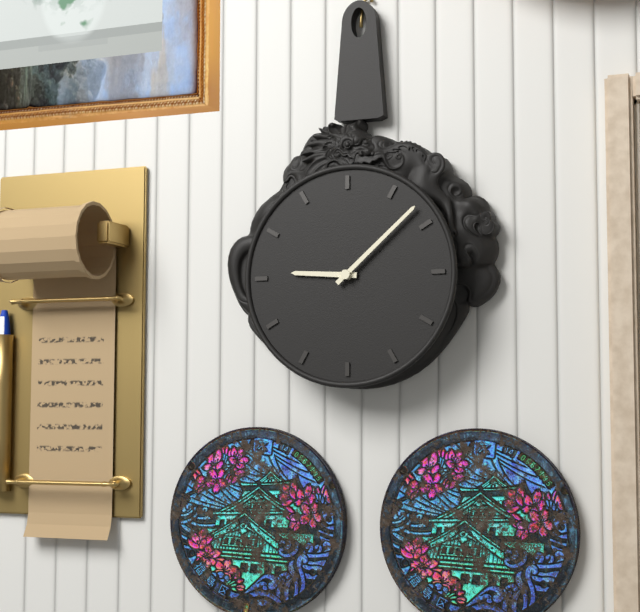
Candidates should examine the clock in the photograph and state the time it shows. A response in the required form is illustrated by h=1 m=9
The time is h=9 m=8
